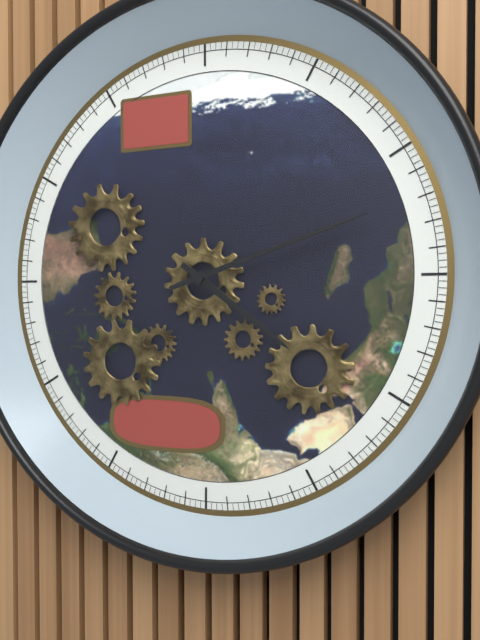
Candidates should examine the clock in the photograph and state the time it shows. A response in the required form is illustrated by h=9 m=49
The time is h=4 m=12
